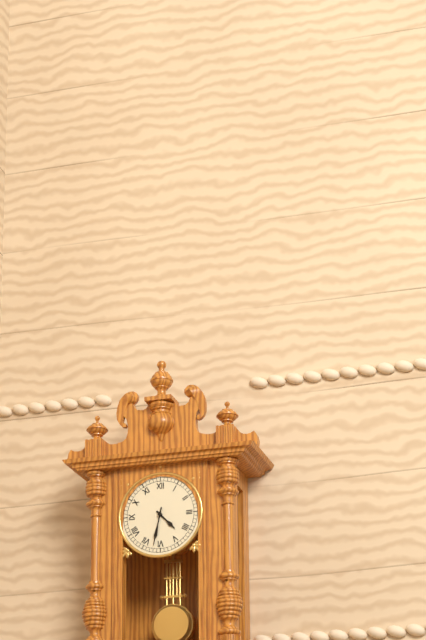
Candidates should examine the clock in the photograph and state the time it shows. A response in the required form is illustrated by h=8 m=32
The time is h=4 m=32
